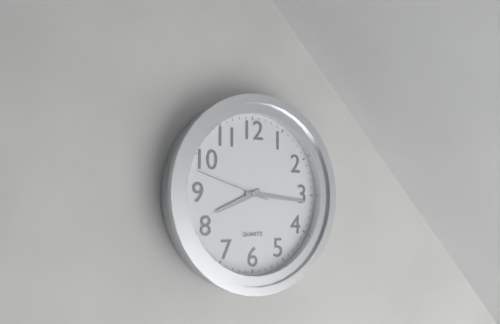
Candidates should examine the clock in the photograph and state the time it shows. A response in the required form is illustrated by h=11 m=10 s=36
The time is h=8 m=16 s=48
